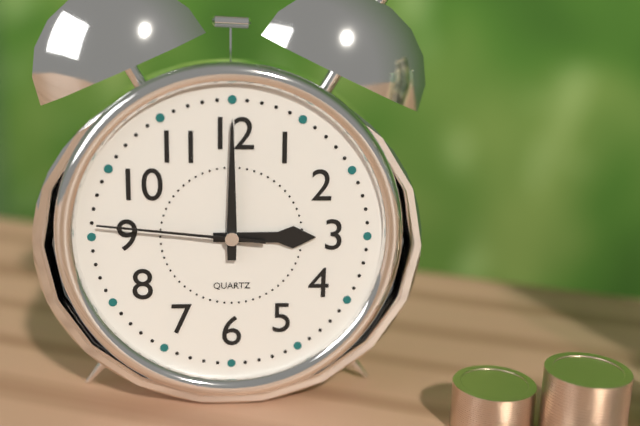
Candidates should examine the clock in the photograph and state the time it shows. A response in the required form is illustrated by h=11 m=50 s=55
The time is h=3 m=0 s=46
